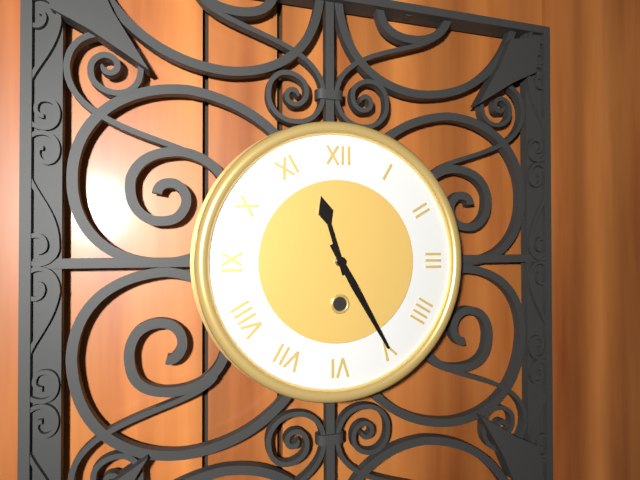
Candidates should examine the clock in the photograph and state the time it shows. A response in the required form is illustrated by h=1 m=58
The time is h=11 m=25
